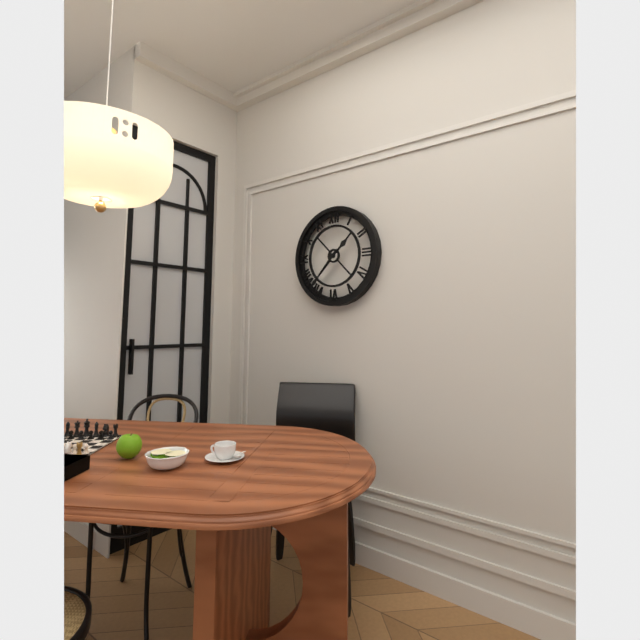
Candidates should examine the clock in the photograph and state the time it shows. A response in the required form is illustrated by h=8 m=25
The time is h=1 m=37
